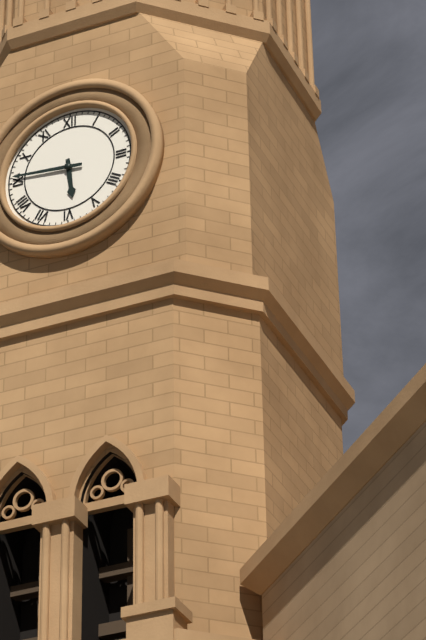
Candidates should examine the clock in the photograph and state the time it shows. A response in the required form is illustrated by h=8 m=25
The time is h=5 m=46
